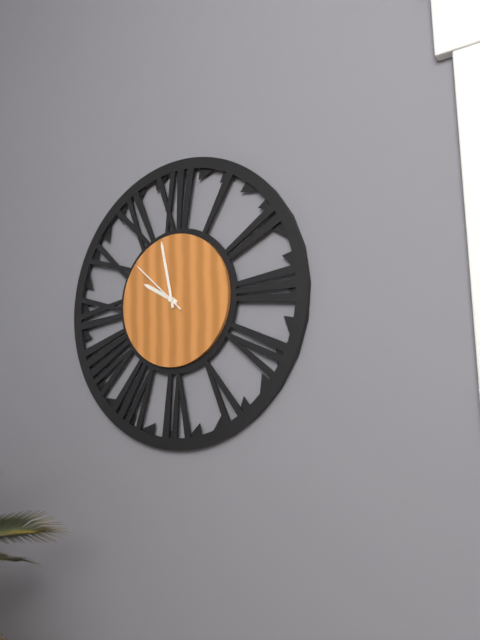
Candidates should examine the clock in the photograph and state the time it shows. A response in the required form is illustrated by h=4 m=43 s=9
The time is h=9 m=58 s=52
